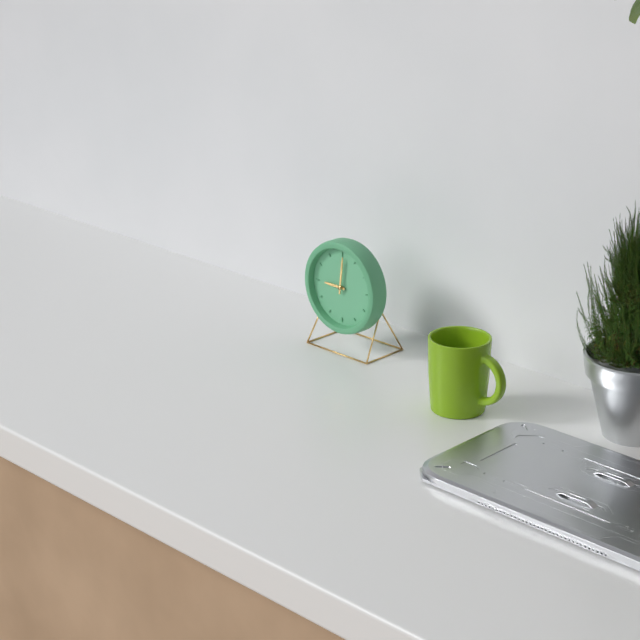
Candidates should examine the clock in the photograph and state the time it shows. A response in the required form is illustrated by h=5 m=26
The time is h=9 m=1
